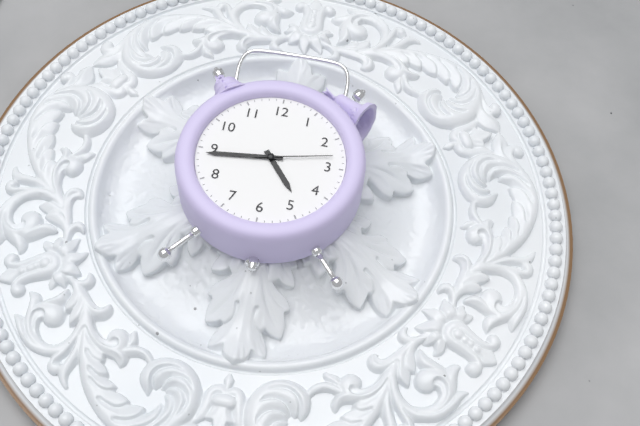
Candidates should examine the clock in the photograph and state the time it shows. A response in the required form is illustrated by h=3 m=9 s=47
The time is h=4 m=44 s=13
